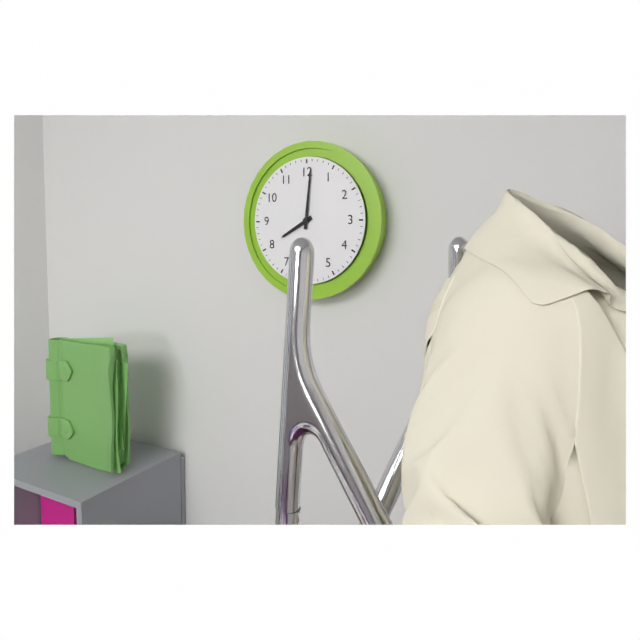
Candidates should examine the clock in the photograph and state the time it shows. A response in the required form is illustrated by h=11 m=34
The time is h=8 m=1
